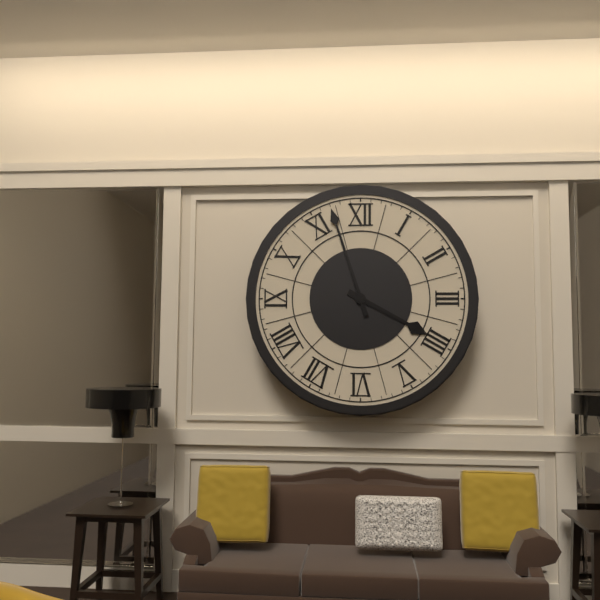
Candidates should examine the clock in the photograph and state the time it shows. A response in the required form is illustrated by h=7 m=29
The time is h=3 m=57
